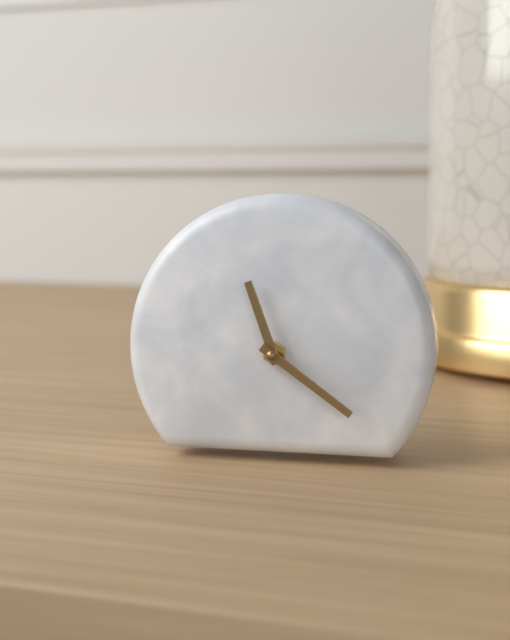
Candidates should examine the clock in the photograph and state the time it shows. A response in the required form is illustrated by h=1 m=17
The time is h=11 m=21
